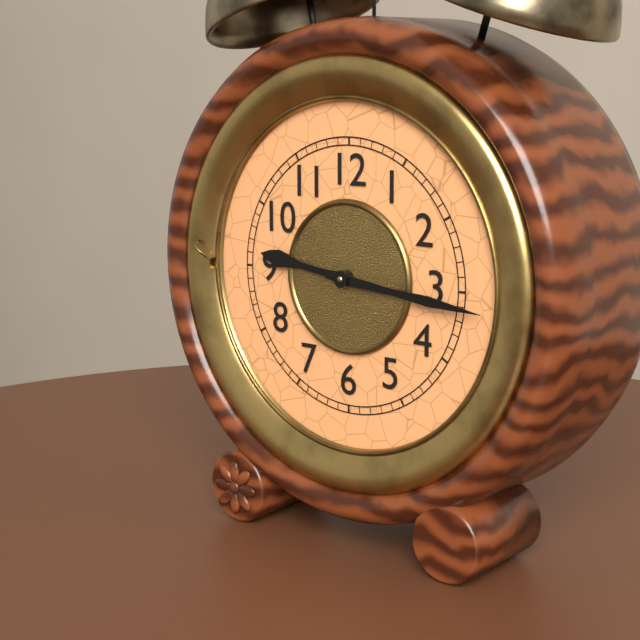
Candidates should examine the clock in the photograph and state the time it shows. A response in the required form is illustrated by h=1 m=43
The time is h=9 m=16
